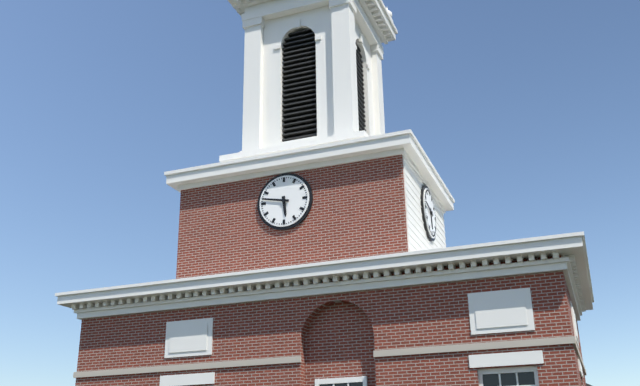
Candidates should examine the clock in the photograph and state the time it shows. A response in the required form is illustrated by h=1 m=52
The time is h=5 m=47
